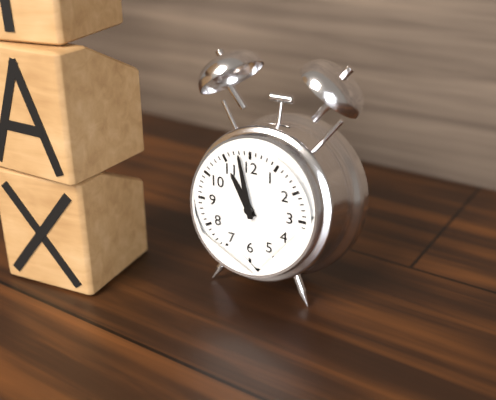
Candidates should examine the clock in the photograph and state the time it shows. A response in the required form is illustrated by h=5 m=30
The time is h=10 m=58
